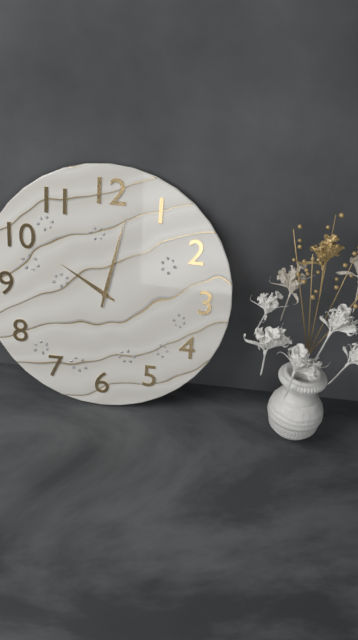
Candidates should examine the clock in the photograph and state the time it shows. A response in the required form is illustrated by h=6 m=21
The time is h=10 m=2
